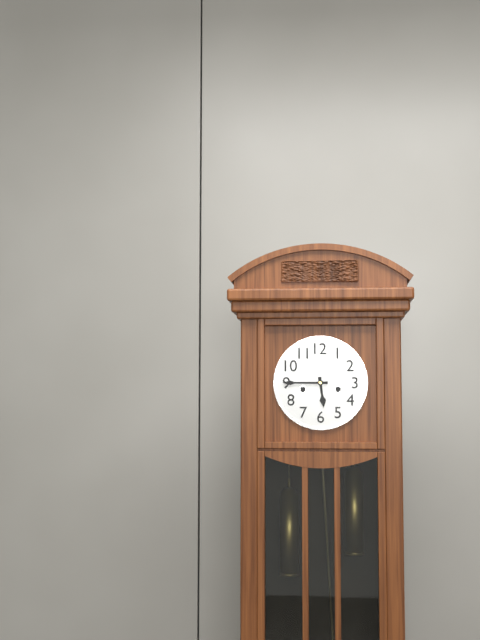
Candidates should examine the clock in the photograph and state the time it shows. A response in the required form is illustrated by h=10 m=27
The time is h=5 m=45
